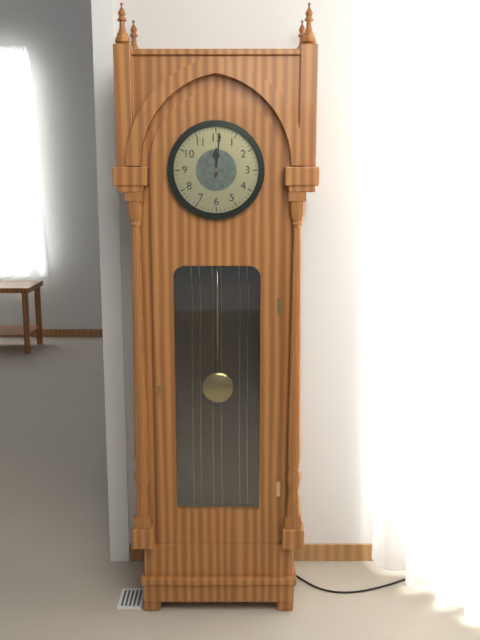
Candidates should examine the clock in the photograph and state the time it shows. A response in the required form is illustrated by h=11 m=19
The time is h=12 m=1
